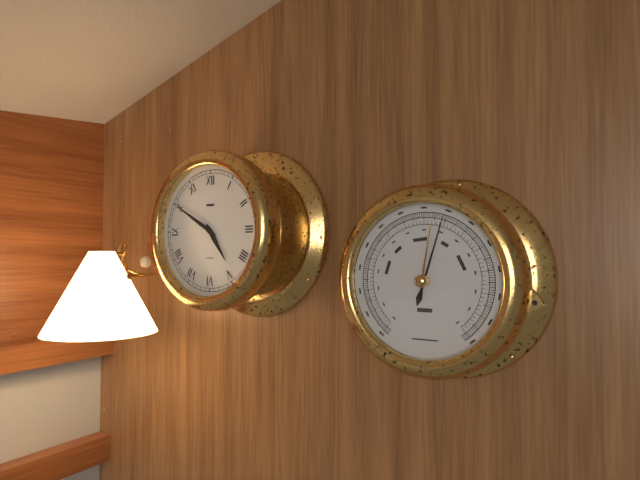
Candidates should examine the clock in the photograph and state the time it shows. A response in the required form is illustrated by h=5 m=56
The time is h=4 m=50
